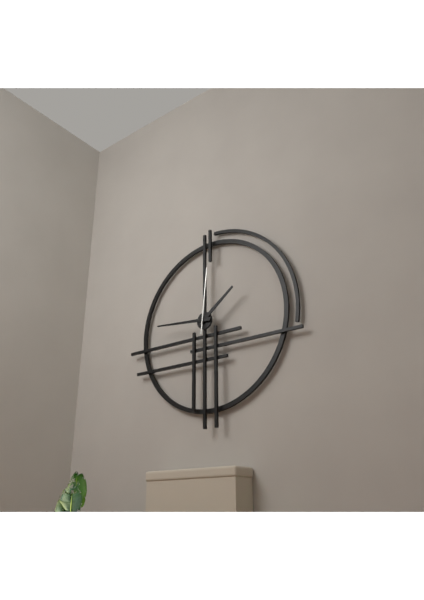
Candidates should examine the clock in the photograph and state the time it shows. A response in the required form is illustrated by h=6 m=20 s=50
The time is h=1 m=46 s=1
